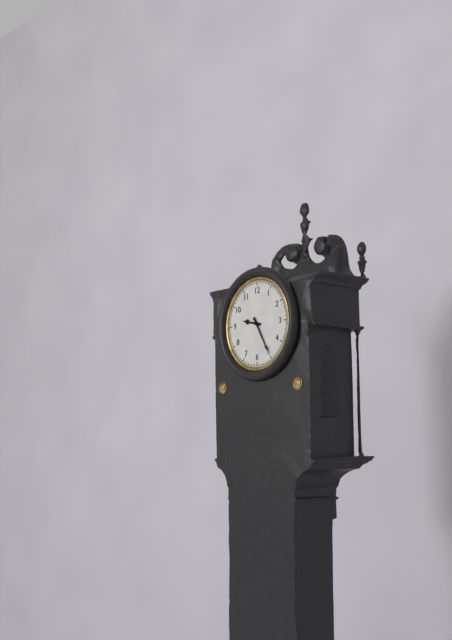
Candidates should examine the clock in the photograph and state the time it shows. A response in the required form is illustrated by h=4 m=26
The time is h=9 m=25
